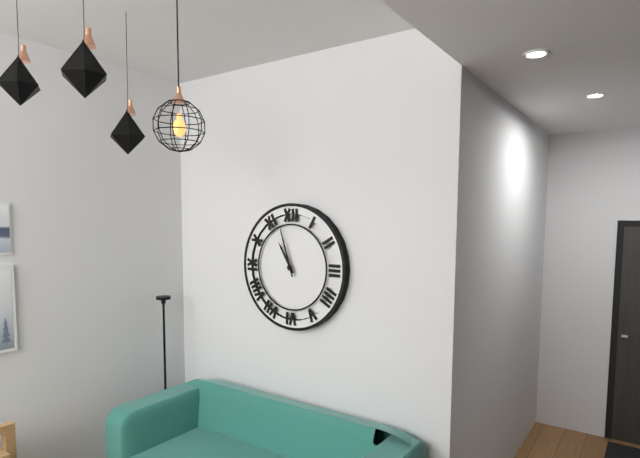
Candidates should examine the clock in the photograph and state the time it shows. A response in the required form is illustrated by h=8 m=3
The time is h=10 m=57
